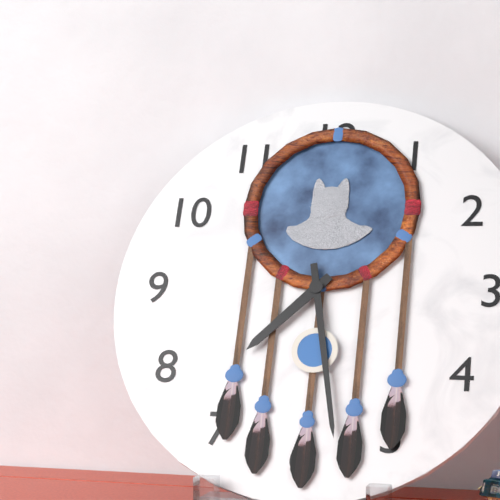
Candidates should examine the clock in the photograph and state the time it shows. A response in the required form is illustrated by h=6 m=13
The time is h=7 m=28
